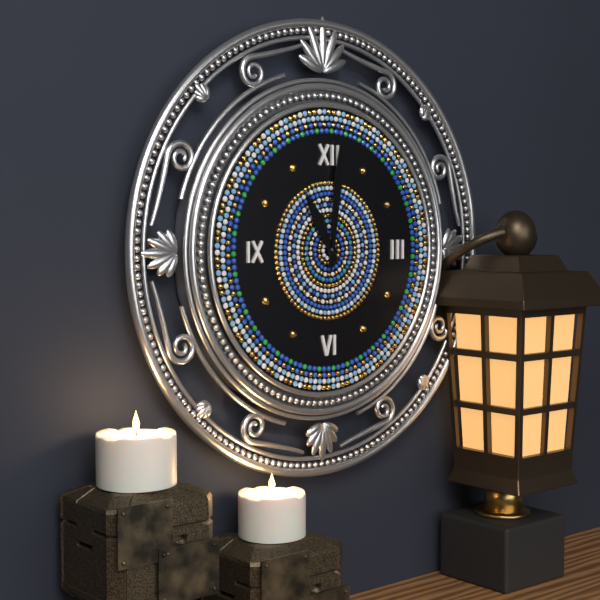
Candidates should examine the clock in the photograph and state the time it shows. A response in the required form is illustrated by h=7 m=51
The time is h=11 m=1
